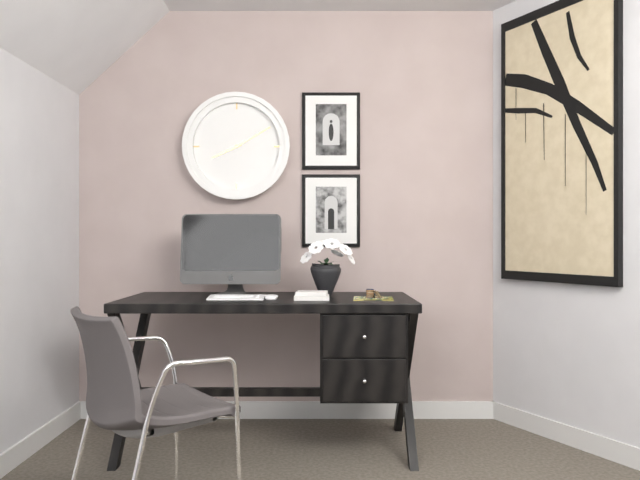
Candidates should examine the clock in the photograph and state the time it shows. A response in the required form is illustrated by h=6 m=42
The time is h=8 m=10
